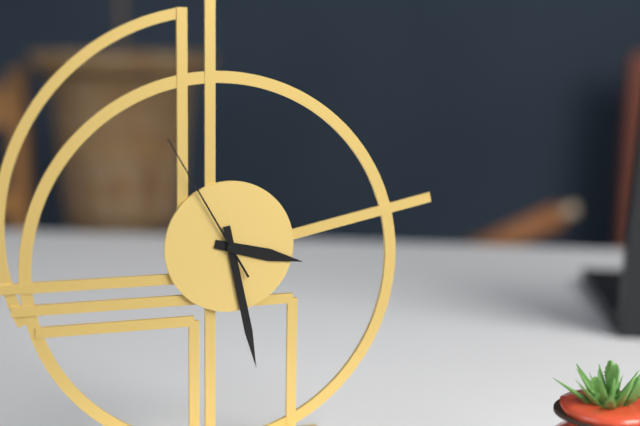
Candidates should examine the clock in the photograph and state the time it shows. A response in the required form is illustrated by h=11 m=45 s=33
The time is h=3 m=28 s=55
